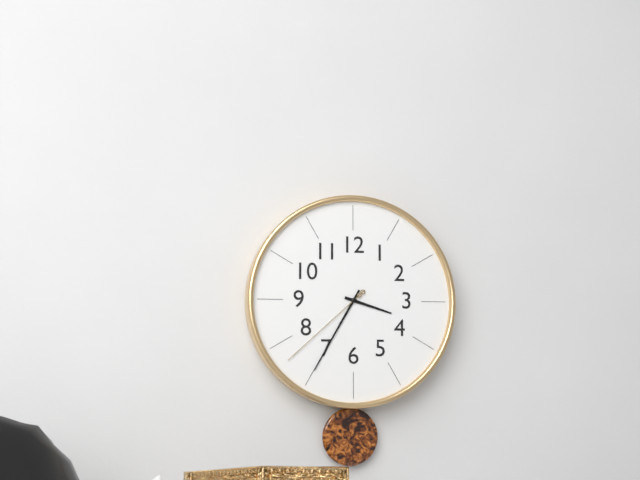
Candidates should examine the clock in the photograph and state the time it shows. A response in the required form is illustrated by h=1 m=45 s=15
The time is h=3 m=35 s=38
